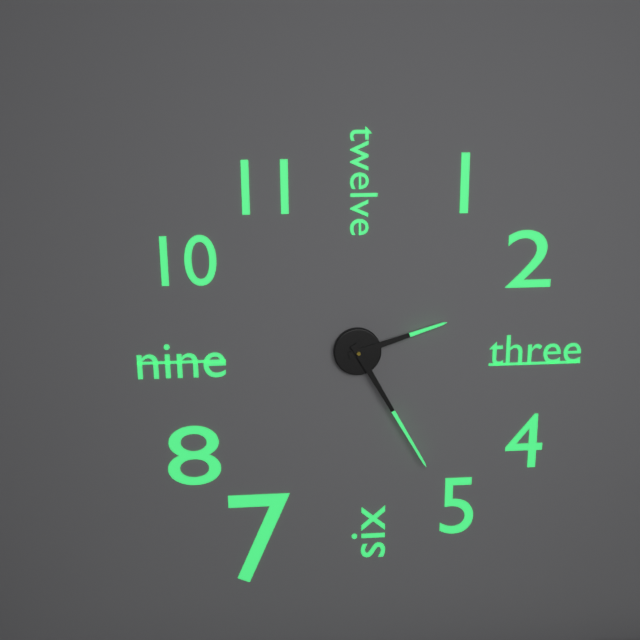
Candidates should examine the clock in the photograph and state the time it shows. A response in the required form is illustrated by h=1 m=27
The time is h=2 m=25
